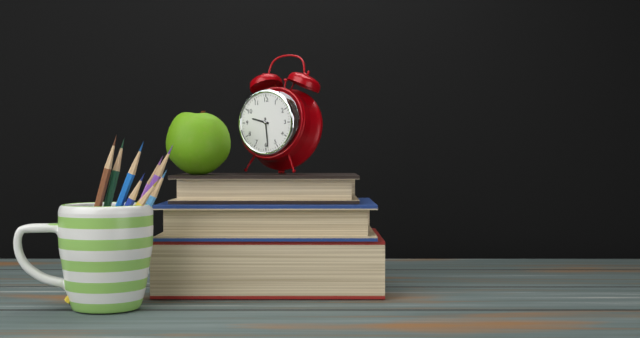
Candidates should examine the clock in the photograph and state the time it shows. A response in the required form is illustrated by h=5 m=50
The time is h=9 m=29
